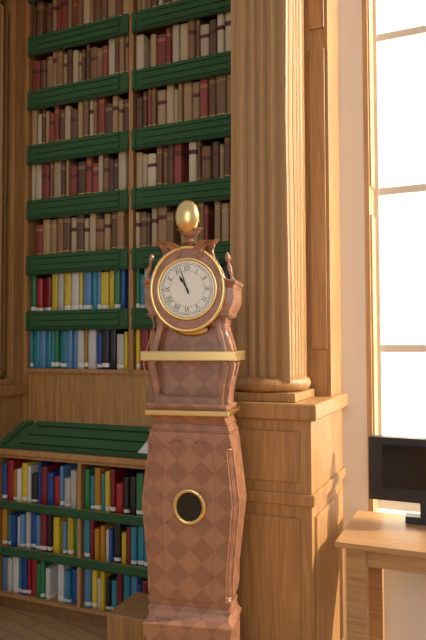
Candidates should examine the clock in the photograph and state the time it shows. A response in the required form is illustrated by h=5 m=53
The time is h=10 m=57
